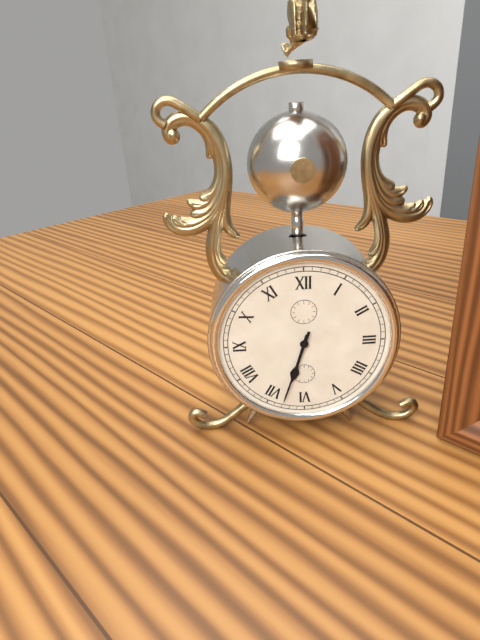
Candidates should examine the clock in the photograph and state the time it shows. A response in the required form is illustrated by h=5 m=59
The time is h=6 m=33
